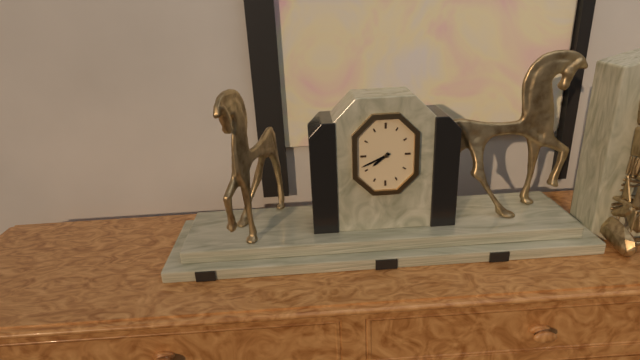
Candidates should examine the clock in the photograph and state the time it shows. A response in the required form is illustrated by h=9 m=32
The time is h=7 m=41
